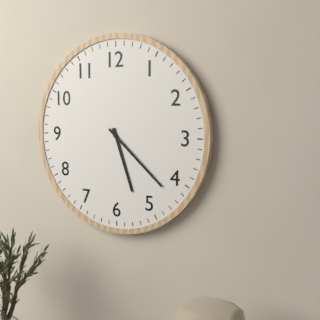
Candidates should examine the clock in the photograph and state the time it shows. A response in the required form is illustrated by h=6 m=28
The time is h=5 m=22
